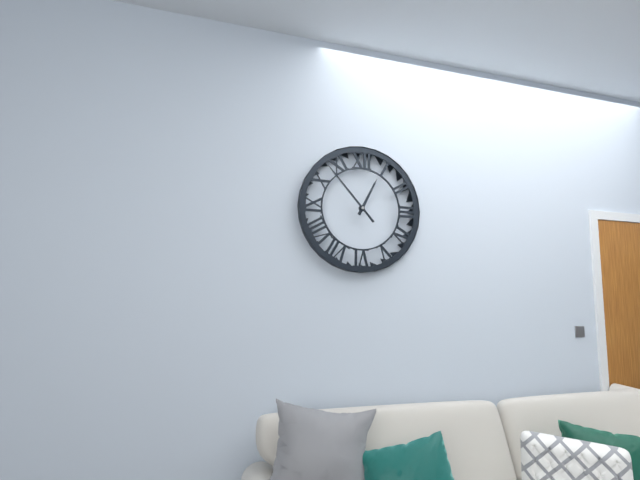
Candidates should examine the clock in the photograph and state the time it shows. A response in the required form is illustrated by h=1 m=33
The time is h=12 m=53
